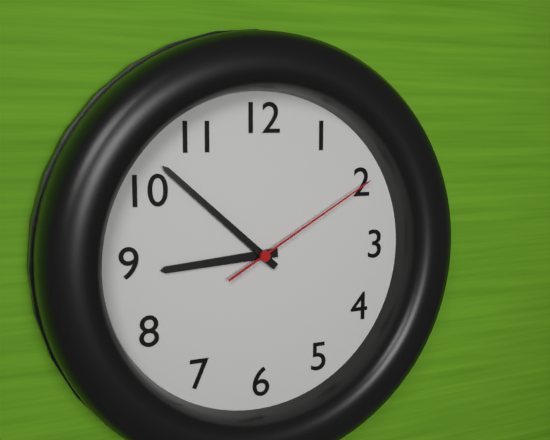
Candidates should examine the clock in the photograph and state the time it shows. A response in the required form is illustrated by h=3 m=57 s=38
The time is h=8 m=52 s=10
